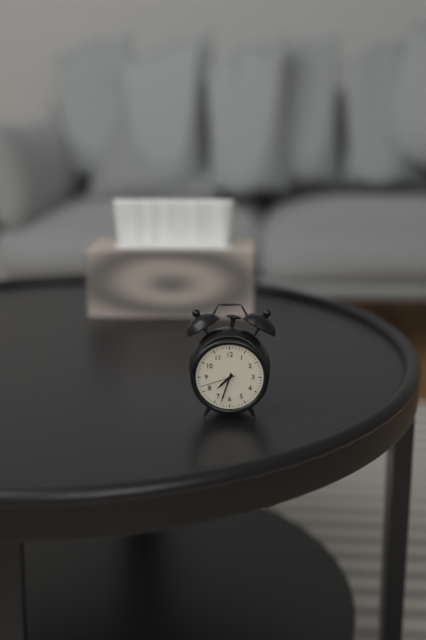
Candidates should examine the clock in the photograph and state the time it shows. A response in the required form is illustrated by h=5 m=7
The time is h=7 m=33
